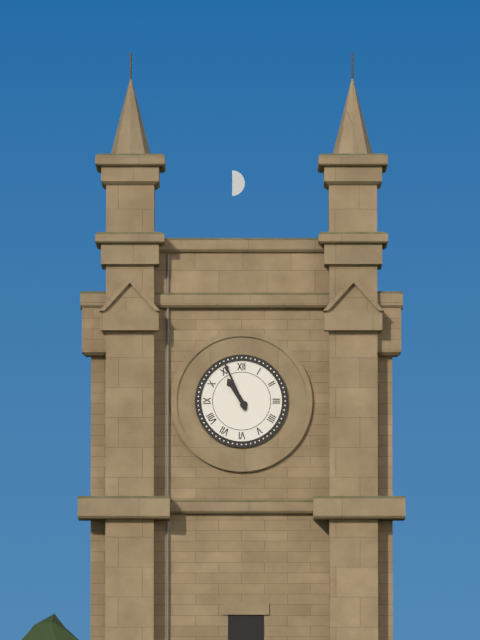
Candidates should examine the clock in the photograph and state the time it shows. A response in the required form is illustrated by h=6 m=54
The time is h=10 m=56
